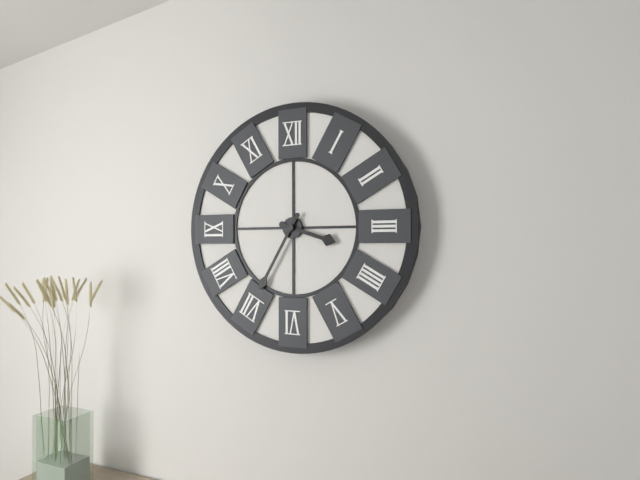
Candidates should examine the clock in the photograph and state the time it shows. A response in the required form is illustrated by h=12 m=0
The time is h=3 m=35
